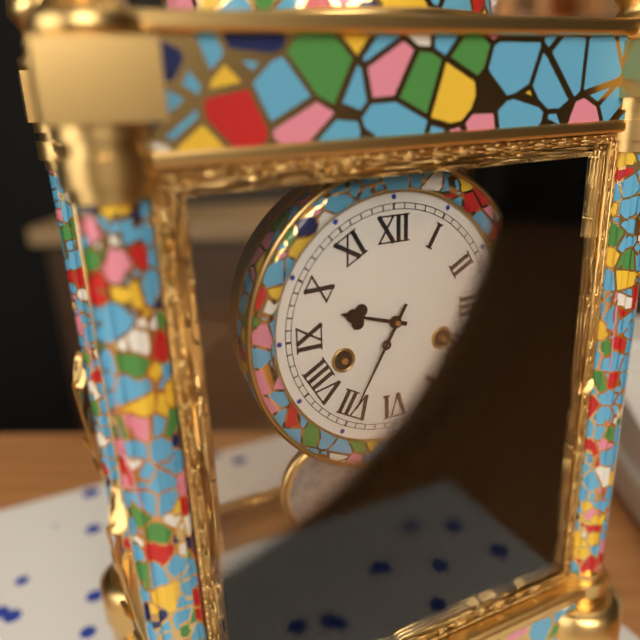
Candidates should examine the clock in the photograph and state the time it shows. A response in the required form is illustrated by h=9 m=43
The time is h=9 m=35
